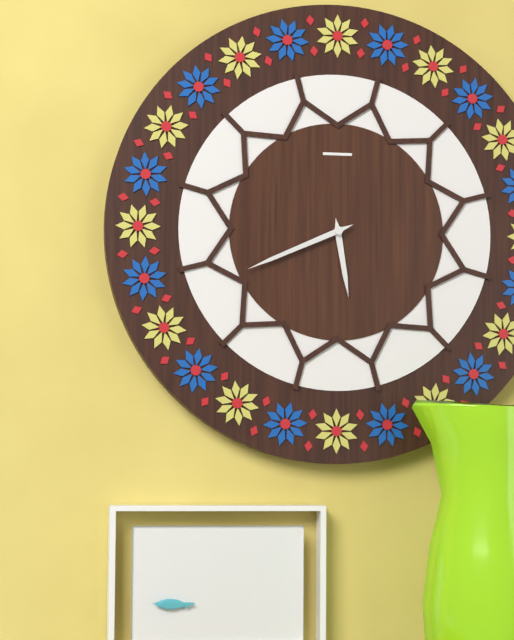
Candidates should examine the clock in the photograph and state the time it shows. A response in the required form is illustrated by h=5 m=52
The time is h=5 m=41
